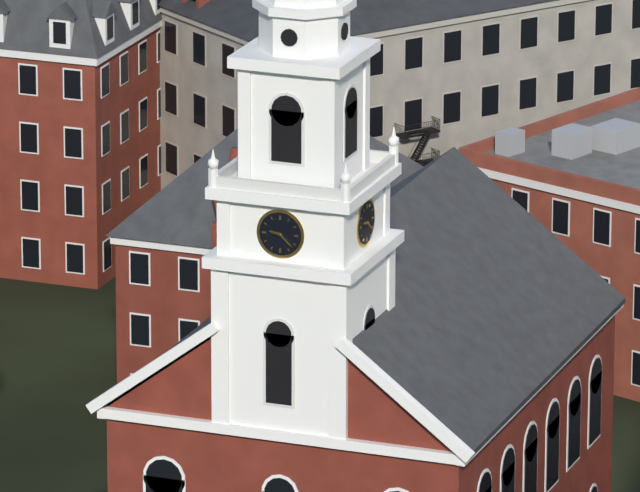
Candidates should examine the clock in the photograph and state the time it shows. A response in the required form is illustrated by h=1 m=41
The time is h=9 m=22
